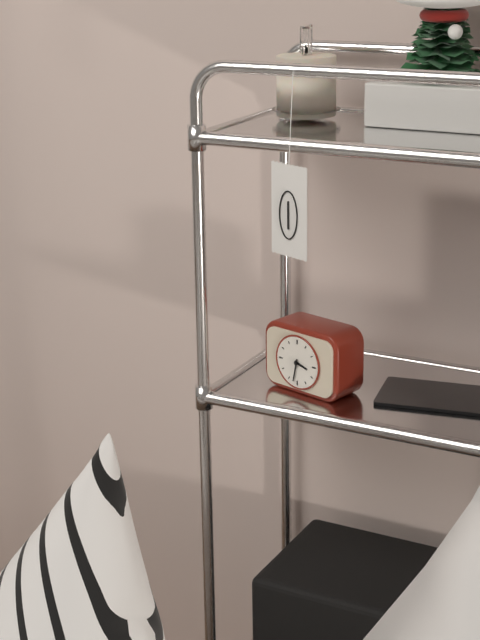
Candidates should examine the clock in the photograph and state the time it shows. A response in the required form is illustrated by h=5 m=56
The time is h=3 m=32
